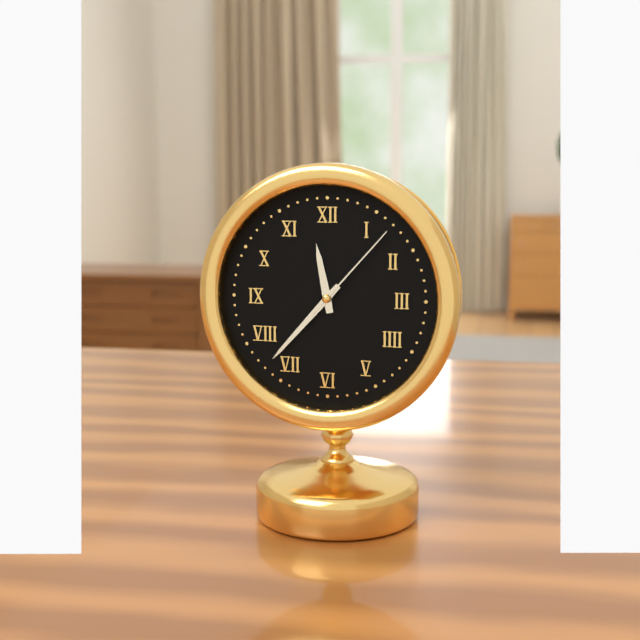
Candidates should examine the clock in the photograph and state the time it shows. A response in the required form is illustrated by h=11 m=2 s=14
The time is h=11 m=37 s=7
